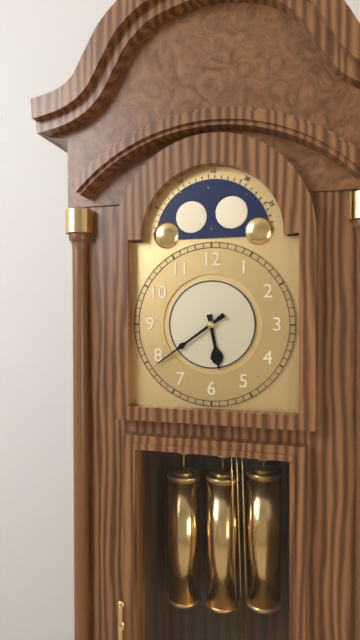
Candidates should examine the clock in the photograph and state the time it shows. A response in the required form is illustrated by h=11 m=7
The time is h=5 m=39
